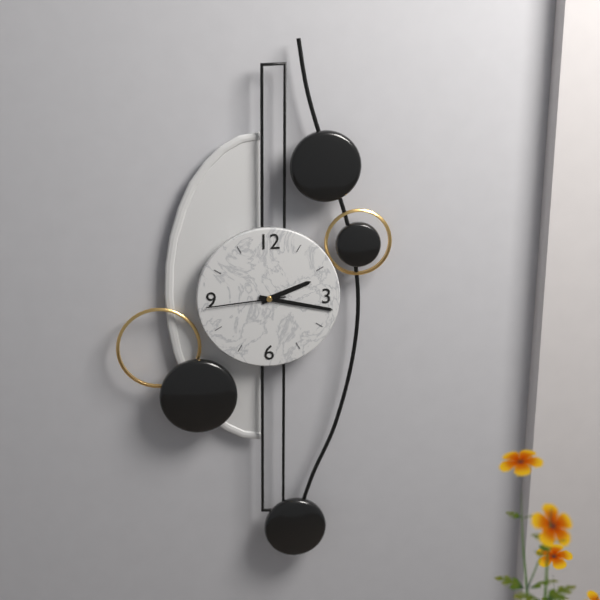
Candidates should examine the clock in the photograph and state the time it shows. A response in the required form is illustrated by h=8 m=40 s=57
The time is h=2 m=17 s=44
